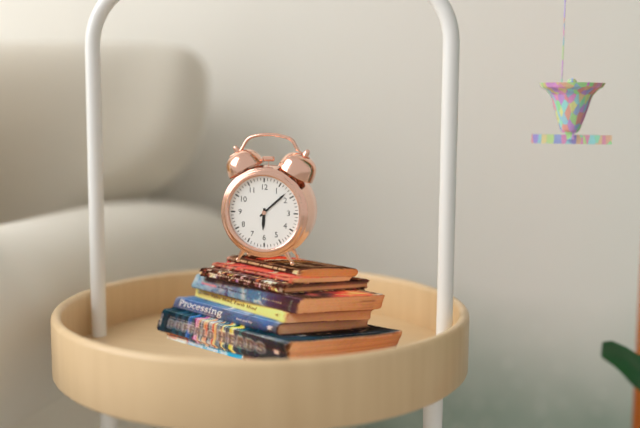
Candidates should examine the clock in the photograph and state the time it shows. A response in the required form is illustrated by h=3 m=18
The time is h=6 m=8
